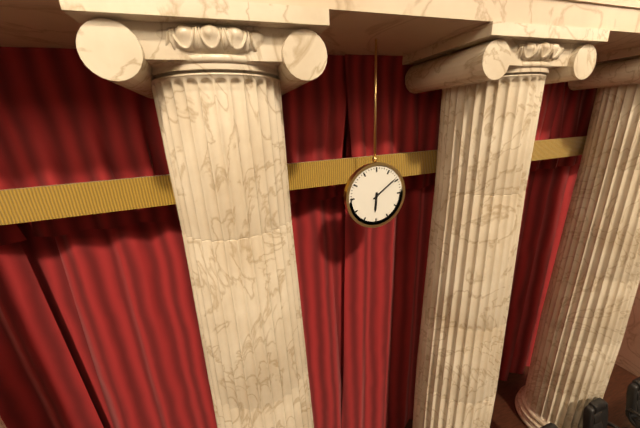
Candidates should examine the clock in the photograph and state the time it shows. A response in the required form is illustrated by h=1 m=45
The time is h=6 m=9
